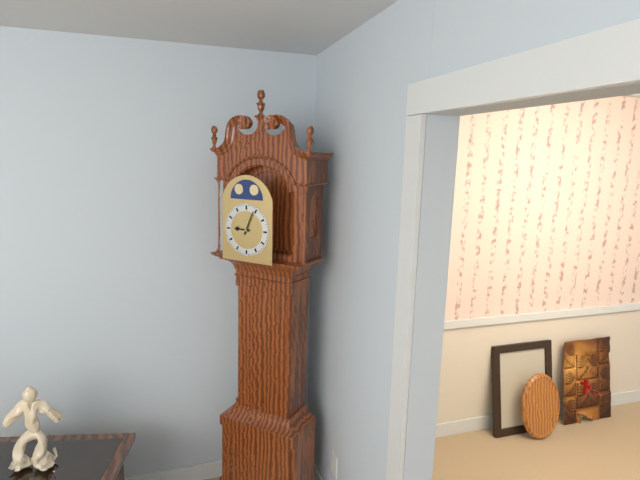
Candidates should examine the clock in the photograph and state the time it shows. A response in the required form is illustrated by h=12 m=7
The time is h=9 m=4
